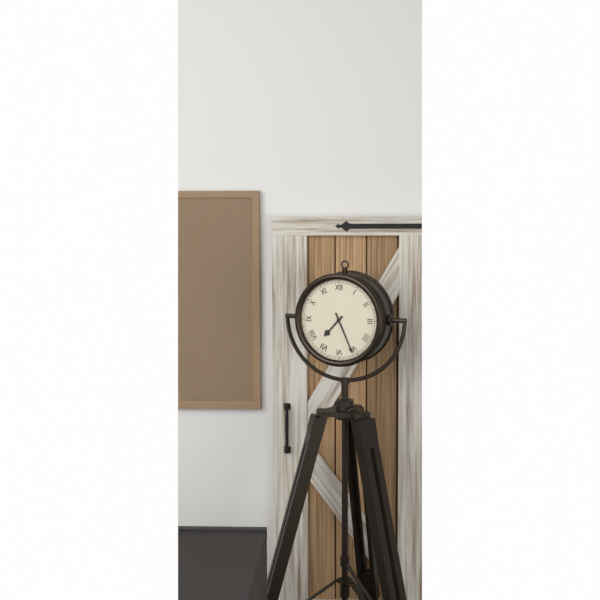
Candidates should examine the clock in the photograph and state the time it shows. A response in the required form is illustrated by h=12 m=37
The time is h=7 m=26
